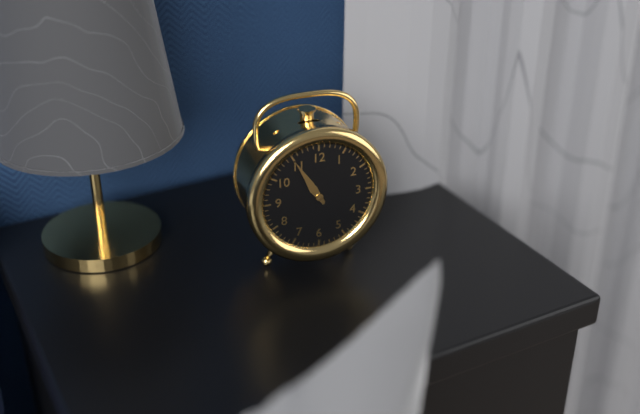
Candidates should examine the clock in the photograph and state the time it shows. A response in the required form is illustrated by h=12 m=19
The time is h=10 m=55
